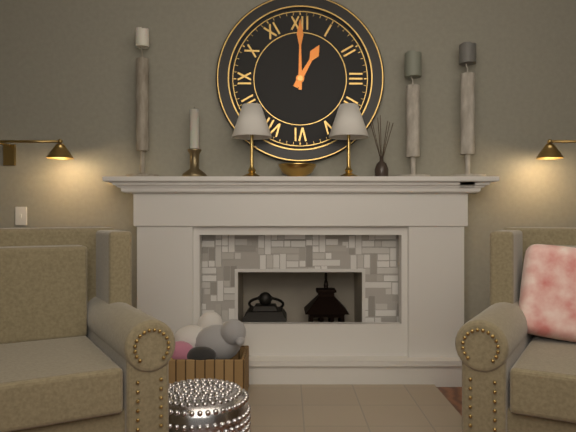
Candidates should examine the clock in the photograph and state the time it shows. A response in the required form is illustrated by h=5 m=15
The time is h=1 m=0
